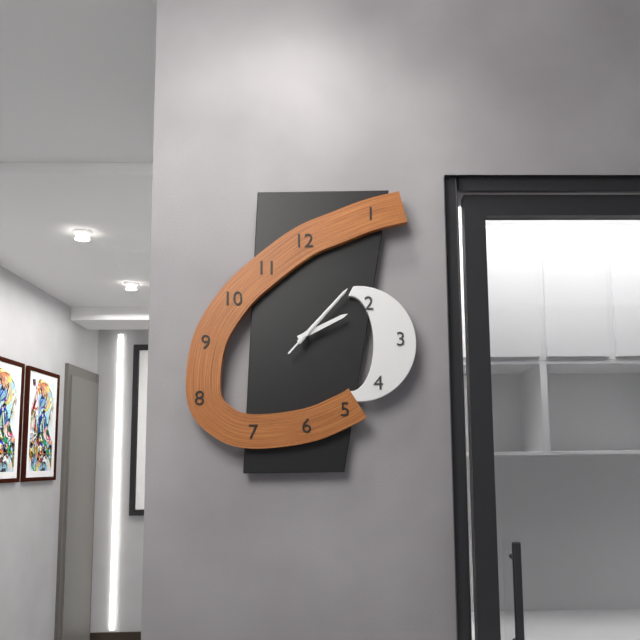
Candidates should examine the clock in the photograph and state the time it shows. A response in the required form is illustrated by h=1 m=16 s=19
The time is h=2 m=7 s=7
